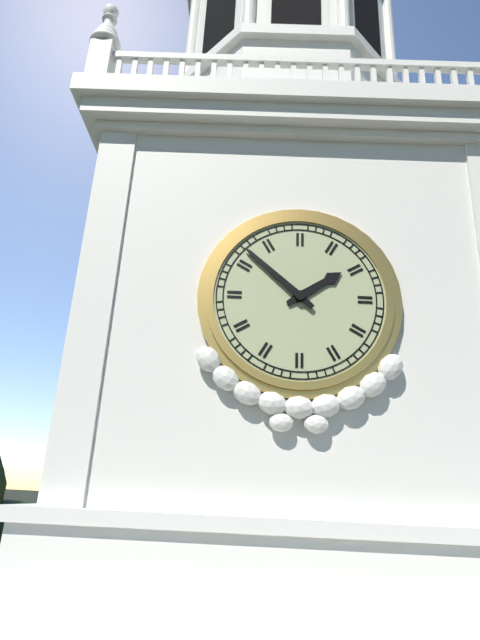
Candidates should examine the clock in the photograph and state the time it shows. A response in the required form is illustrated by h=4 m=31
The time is h=1 m=52
